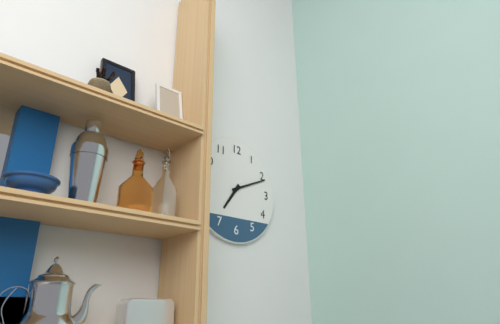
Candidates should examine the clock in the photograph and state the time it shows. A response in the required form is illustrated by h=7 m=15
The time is h=7 m=11
